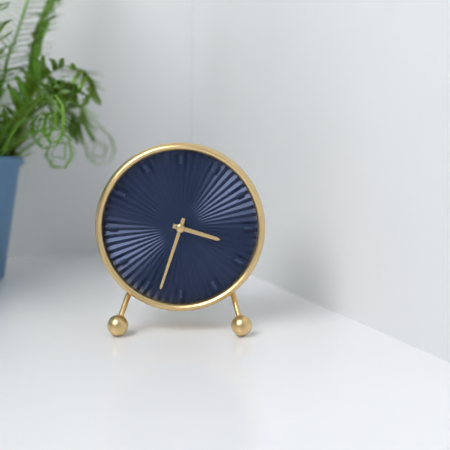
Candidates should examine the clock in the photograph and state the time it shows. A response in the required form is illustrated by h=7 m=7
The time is h=3 m=33
